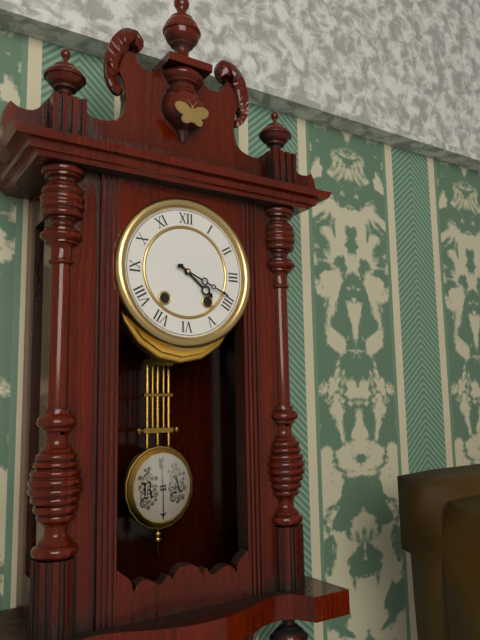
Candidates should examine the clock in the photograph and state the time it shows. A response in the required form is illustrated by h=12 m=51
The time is h=4 m=19
